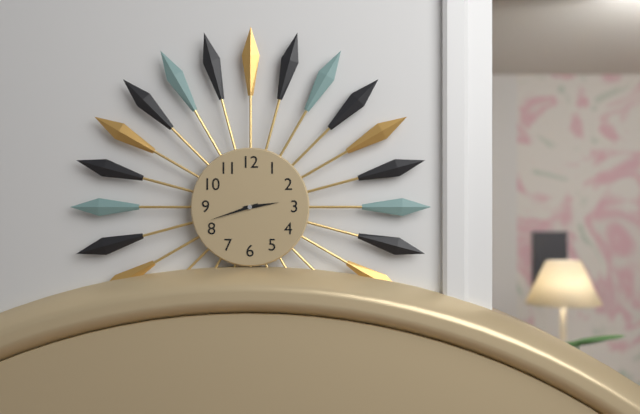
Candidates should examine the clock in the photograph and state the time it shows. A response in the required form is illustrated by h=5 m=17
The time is h=2 m=42
